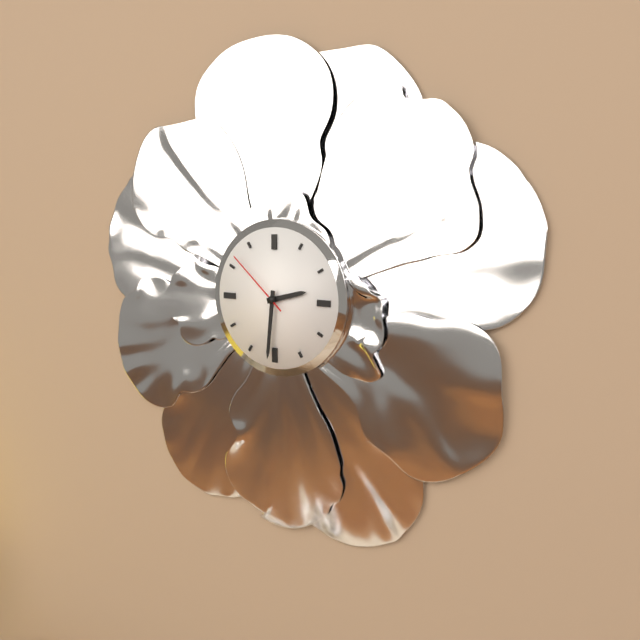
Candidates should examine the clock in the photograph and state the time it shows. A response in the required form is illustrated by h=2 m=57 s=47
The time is h=2 m=31 s=52
